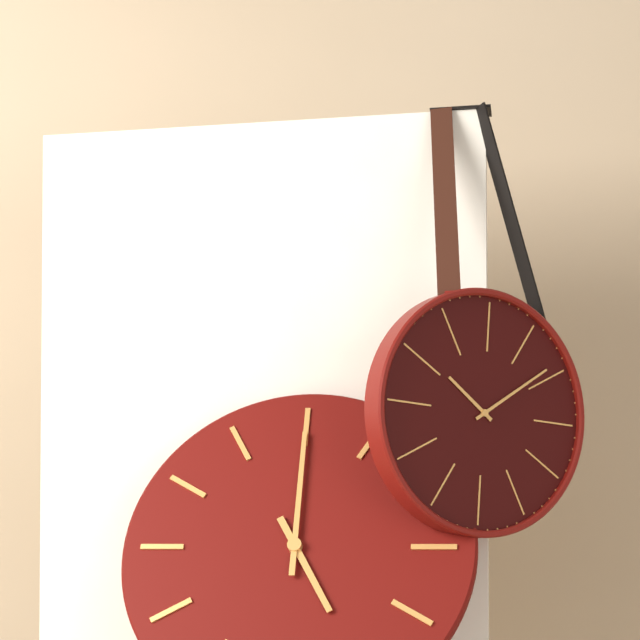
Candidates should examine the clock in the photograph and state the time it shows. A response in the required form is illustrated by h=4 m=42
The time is h=5 m=0
